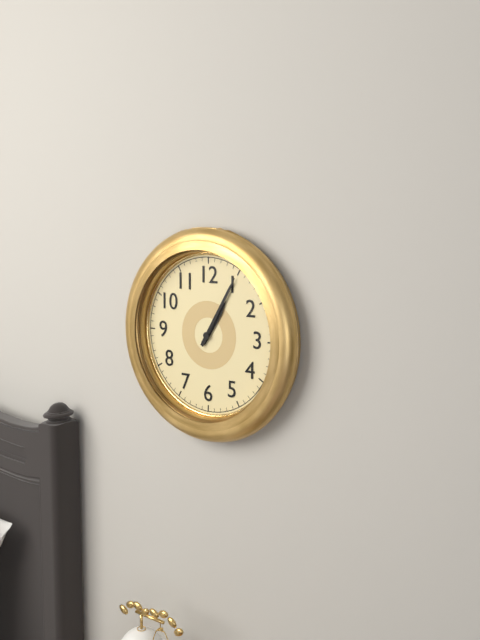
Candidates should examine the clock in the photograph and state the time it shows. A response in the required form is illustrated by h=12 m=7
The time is h=1 m=5
